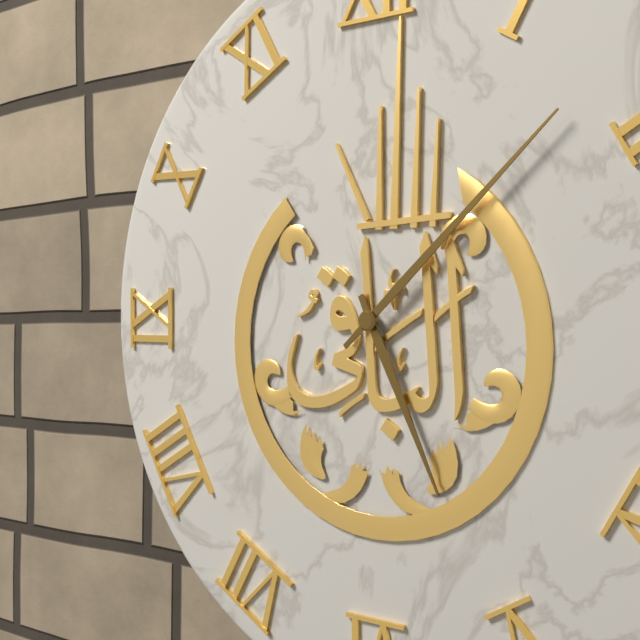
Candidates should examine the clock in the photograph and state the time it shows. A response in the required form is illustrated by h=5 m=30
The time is h=5 m=8
